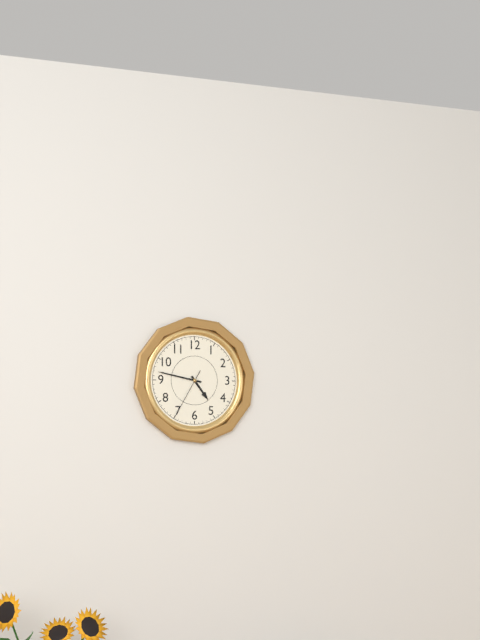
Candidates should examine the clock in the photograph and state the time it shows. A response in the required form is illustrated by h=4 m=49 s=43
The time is h=4 m=47 s=35
